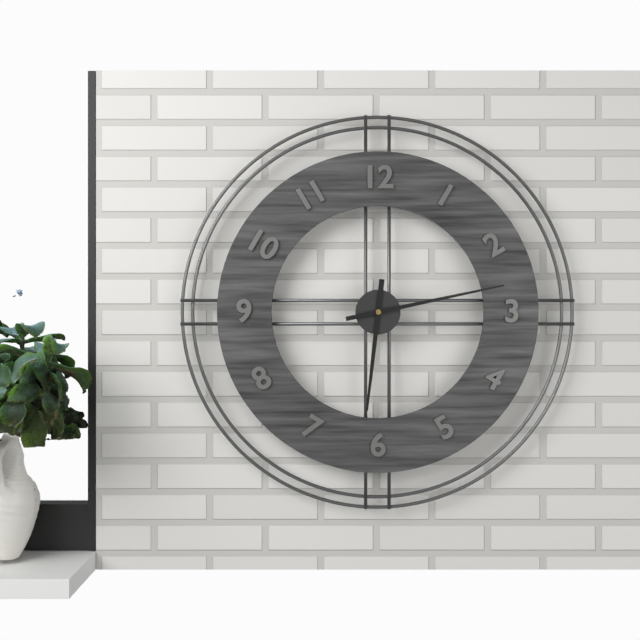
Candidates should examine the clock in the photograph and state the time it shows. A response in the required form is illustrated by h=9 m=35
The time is h=6 m=13
